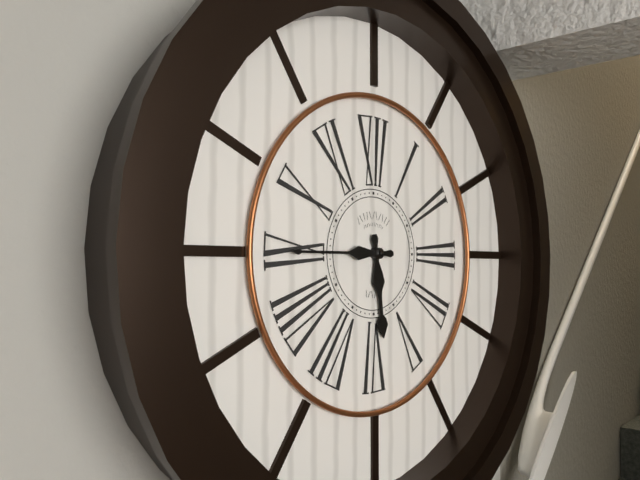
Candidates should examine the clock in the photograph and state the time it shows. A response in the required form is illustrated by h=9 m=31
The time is h=5 m=45
